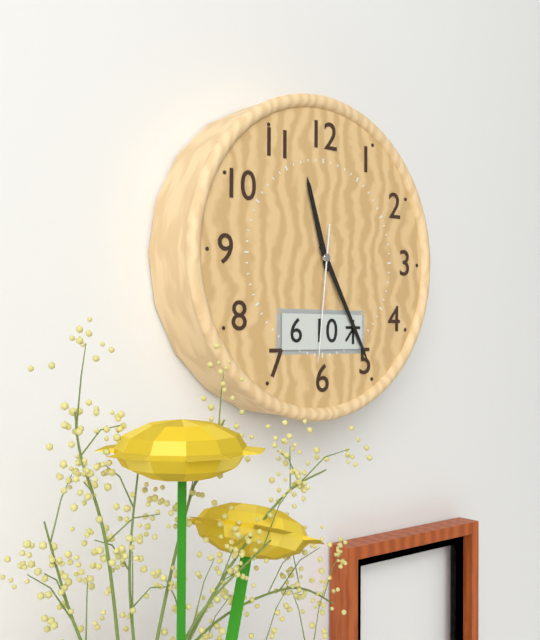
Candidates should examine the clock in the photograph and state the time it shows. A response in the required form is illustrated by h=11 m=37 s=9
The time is h=11 m=25 s=31
